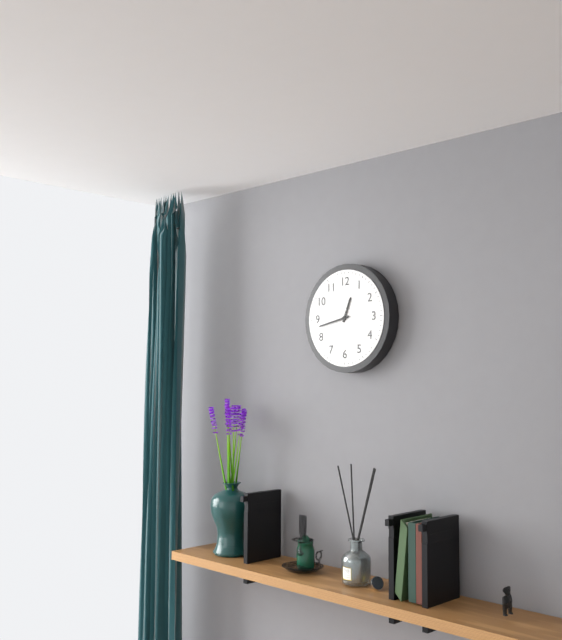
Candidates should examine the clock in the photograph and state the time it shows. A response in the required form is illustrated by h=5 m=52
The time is h=12 m=43
